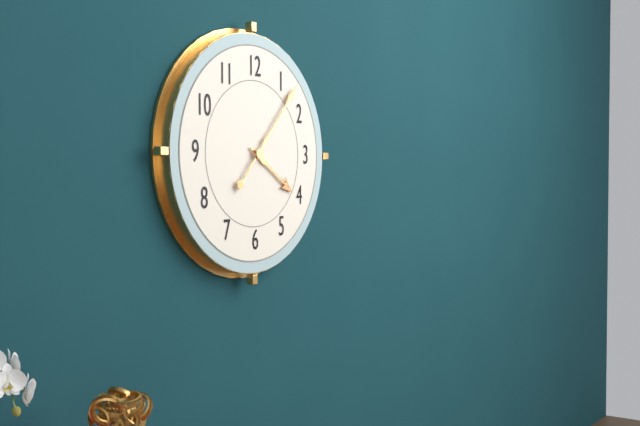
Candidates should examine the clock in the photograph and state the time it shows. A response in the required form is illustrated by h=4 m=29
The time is h=4 m=7
